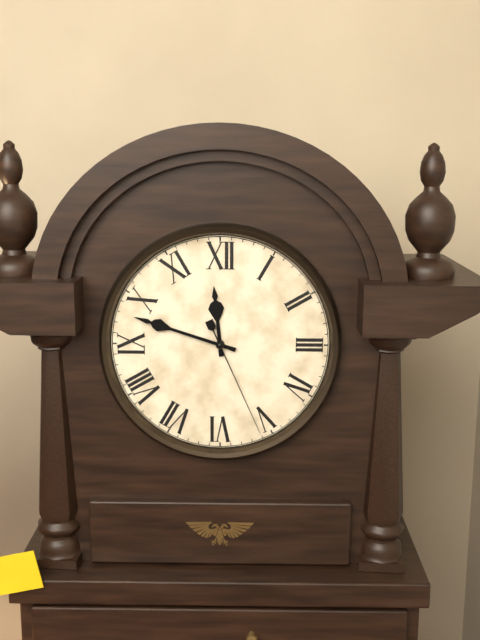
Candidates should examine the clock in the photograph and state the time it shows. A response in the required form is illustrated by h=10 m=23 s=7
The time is h=11 m=48 s=26
